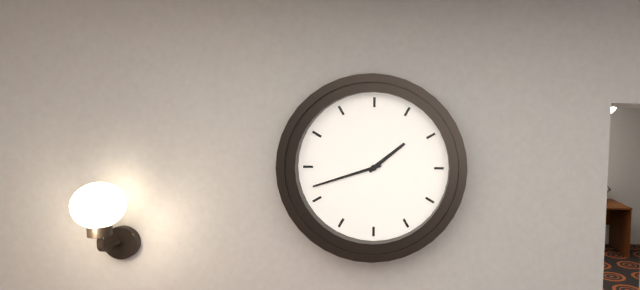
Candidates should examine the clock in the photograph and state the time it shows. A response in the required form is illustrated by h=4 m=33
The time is h=1 m=42
